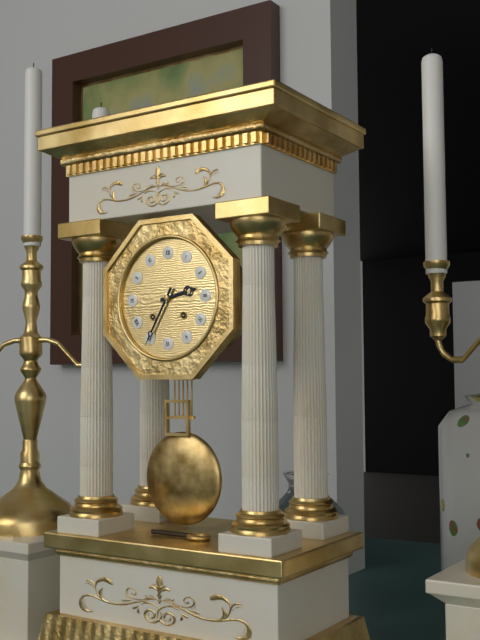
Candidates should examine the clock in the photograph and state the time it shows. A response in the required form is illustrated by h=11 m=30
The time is h=2 m=35
